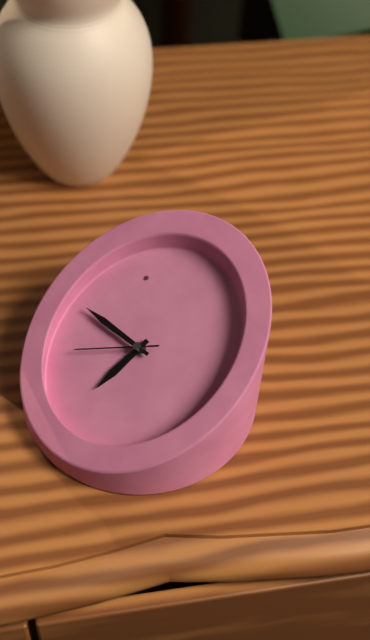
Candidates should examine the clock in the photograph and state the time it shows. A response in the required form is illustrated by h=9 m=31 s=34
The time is h=8 m=58 s=52
